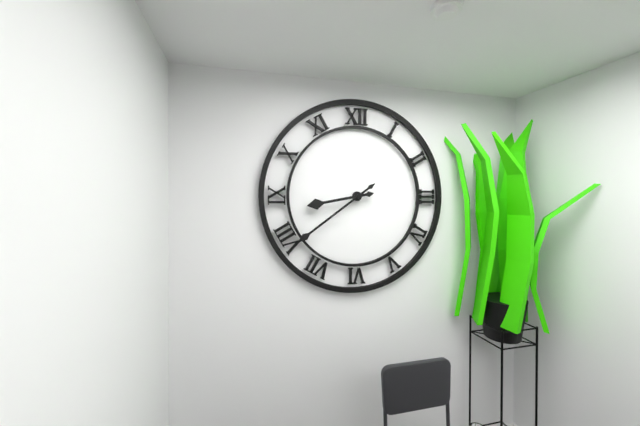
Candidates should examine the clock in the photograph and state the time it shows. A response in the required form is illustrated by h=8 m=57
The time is h=8 m=39
